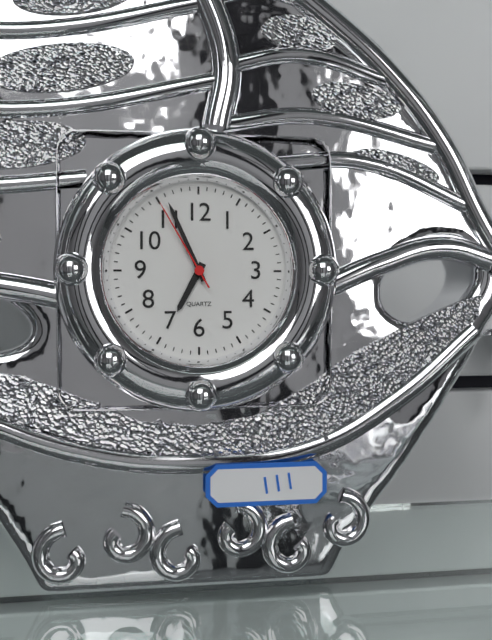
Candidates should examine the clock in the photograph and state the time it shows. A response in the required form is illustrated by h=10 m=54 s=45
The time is h=6 m=56 s=55
